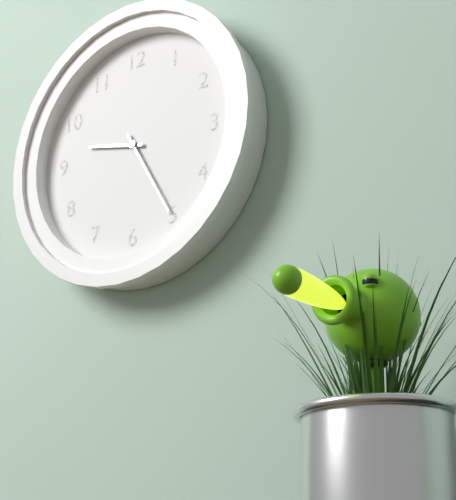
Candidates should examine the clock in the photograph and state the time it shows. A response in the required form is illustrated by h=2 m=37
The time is h=9 m=25
